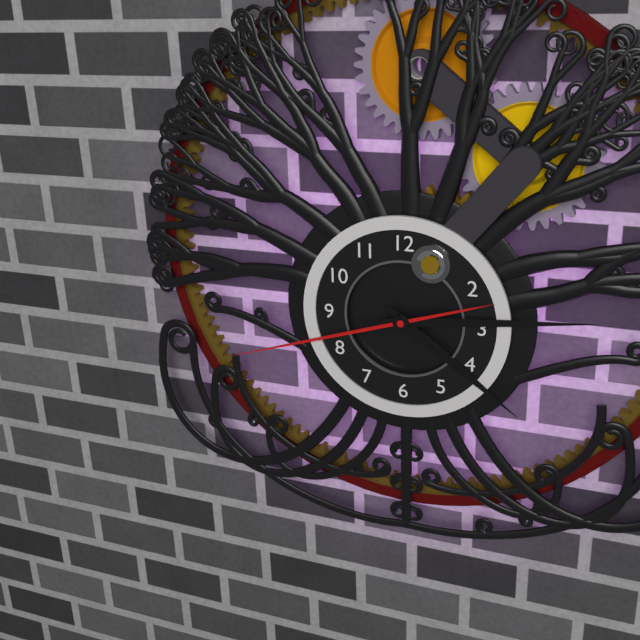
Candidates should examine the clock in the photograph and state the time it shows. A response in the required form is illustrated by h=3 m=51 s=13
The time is h=4 m=14 s=42
